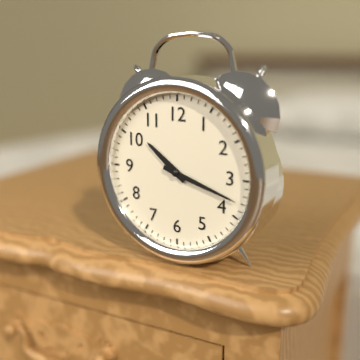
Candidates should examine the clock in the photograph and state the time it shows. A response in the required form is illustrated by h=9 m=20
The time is h=10 m=18
